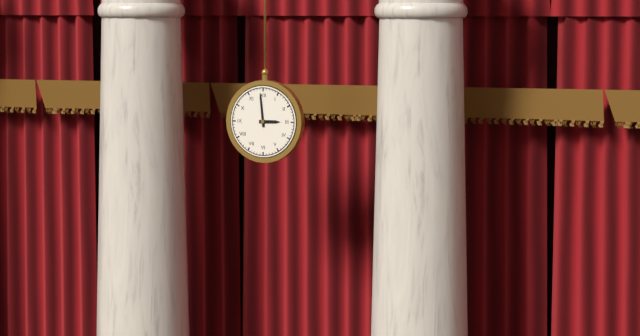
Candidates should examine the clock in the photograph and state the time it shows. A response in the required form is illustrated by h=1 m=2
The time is h=2 m=59
